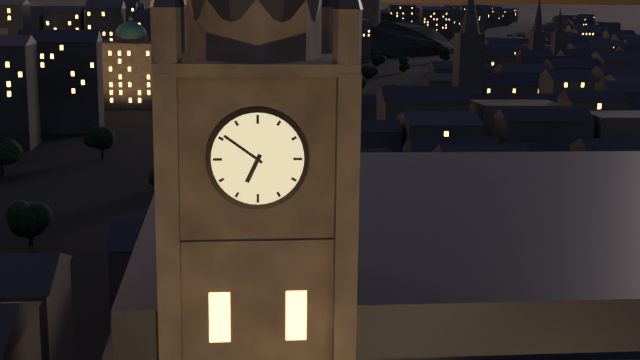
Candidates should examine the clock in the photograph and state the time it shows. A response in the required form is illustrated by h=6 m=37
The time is h=6 m=51
